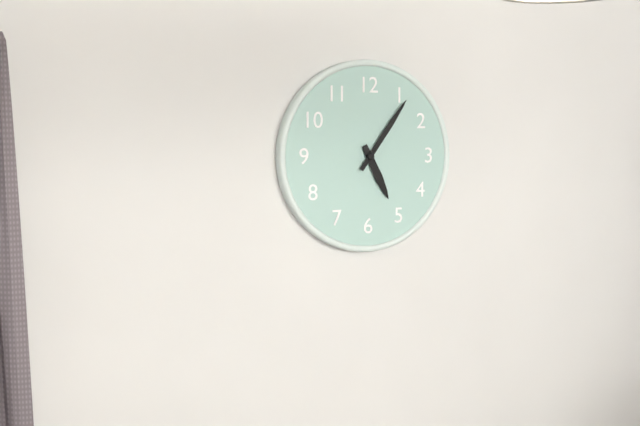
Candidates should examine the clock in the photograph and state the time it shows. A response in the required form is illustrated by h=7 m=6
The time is h=5 m=6
